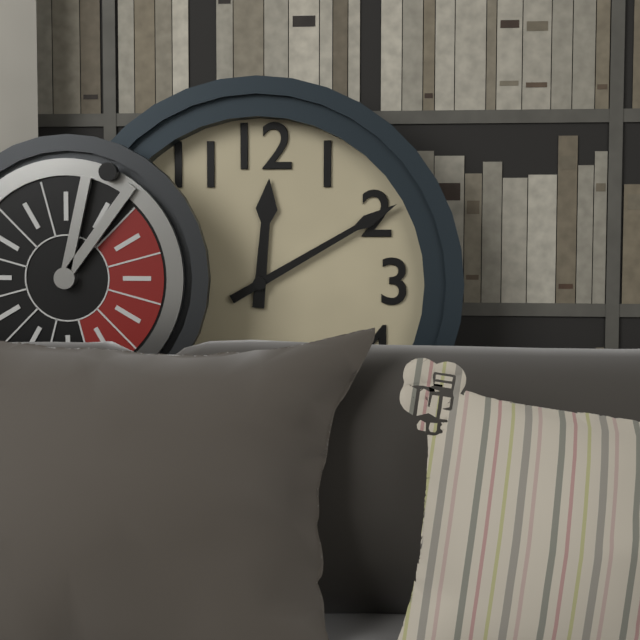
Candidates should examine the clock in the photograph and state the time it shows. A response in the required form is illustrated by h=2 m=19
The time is h=12 m=10
